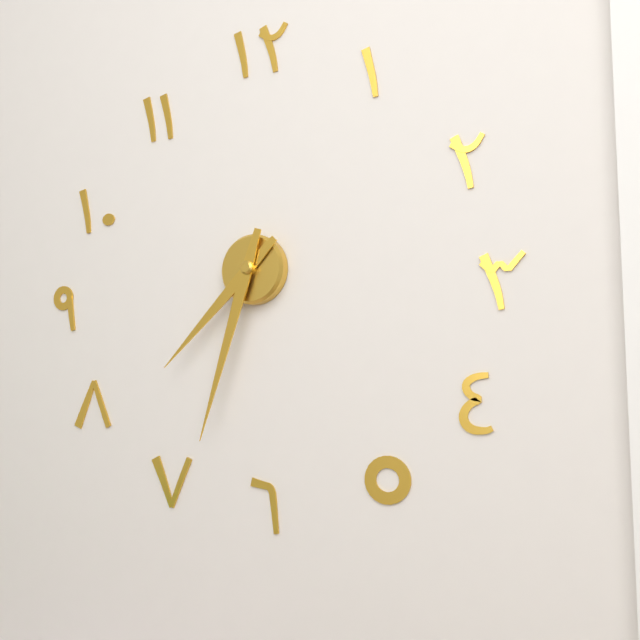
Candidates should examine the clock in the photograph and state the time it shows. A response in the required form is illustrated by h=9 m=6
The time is h=7 m=33
